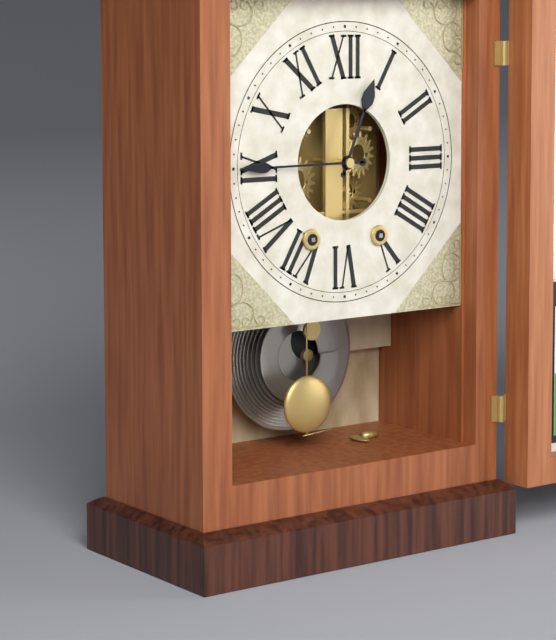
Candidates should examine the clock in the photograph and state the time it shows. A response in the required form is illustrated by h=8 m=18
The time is h=12 m=45
